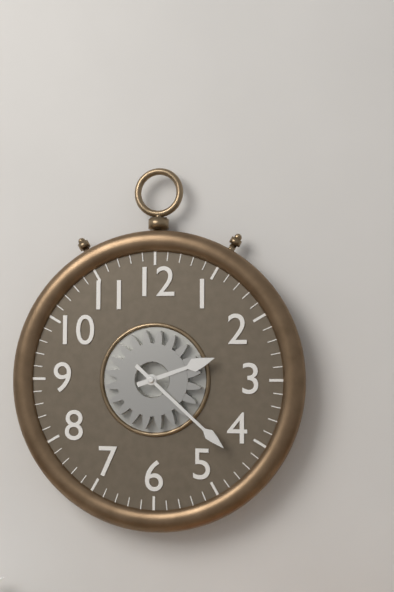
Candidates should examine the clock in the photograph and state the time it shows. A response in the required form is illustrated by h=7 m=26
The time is h=2 m=22
